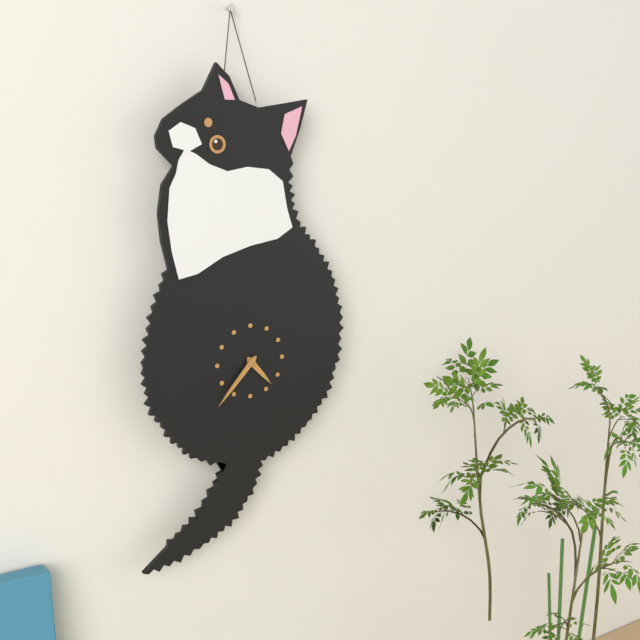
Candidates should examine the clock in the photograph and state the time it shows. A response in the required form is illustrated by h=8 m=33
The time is h=4 m=37
